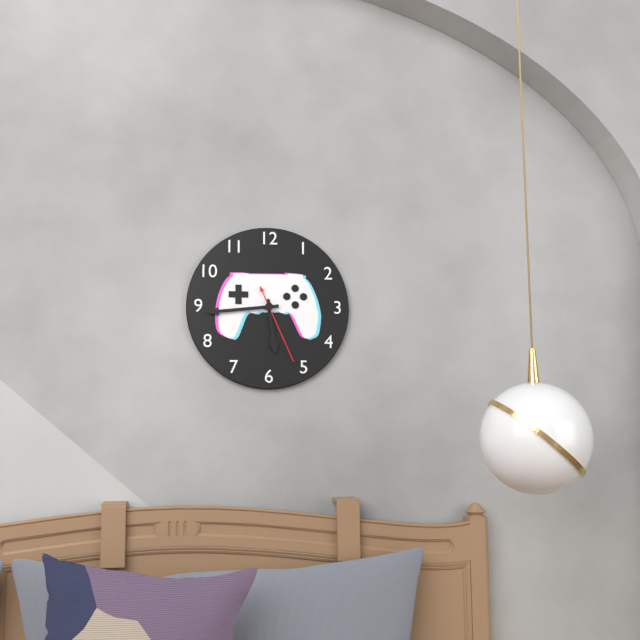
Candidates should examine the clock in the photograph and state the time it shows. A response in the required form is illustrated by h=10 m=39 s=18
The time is h=5 m=44 s=26
